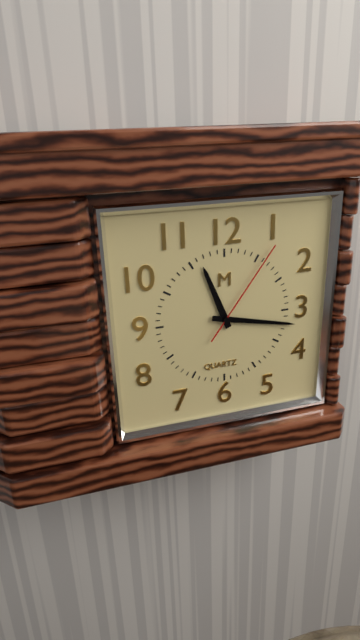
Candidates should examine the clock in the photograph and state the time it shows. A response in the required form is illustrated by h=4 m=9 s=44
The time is h=11 m=17 s=6
